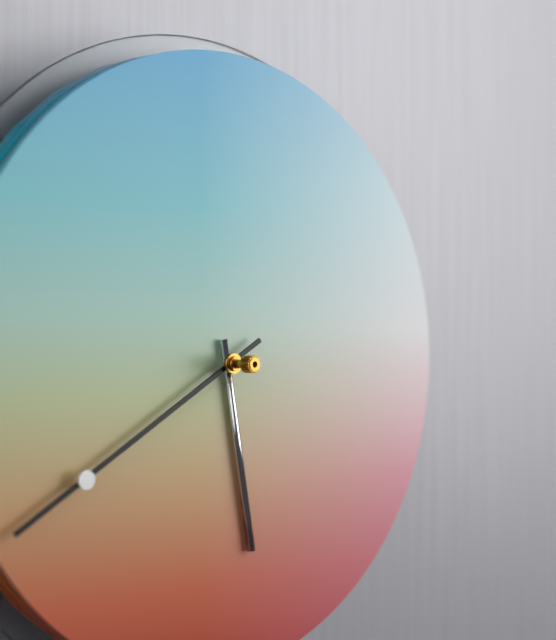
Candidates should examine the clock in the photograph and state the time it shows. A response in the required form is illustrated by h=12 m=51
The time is h=5 m=40
